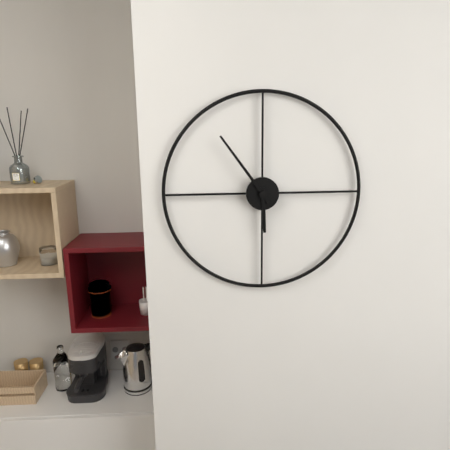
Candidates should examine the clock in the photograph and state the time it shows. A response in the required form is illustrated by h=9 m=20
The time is h=5 m=54
